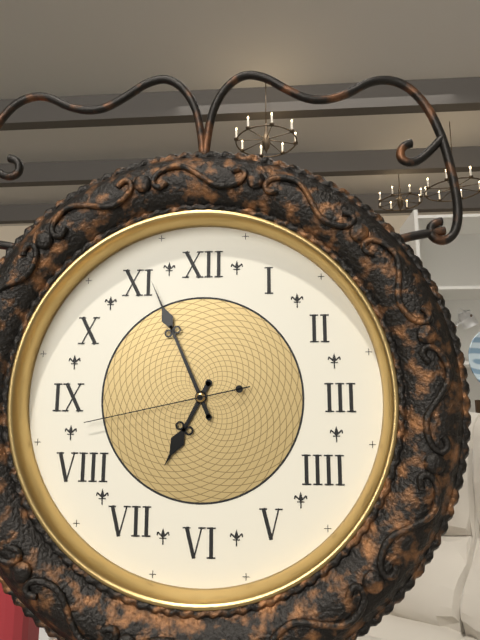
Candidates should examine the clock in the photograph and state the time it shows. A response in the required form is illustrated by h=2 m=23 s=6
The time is h=6 m=56 s=43
